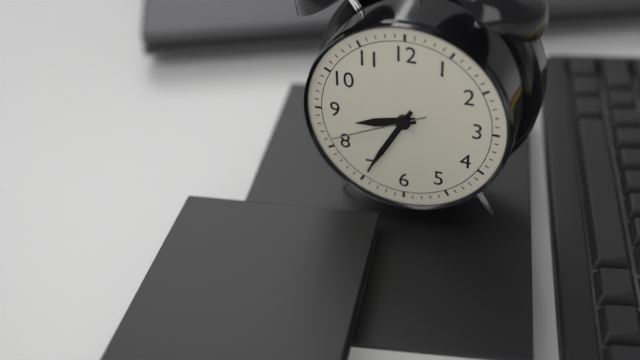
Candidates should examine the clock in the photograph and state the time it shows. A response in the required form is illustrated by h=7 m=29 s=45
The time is h=8 m=35 s=41
